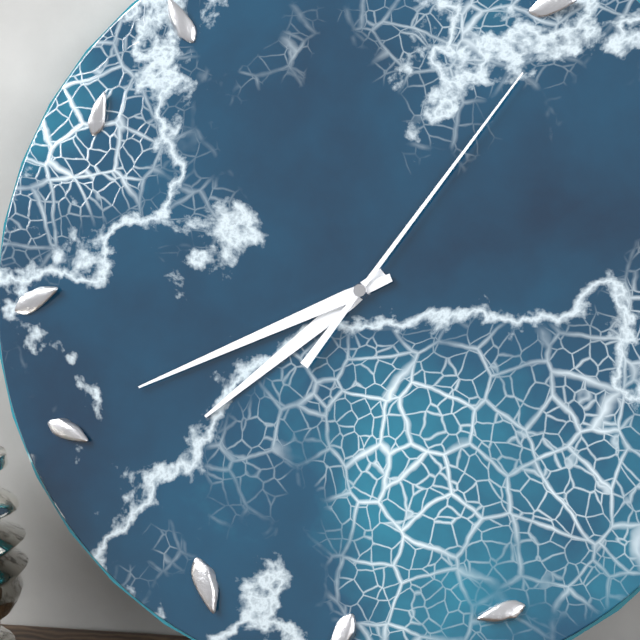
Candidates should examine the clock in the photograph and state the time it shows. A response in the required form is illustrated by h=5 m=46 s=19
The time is h=7 m=41 s=6
